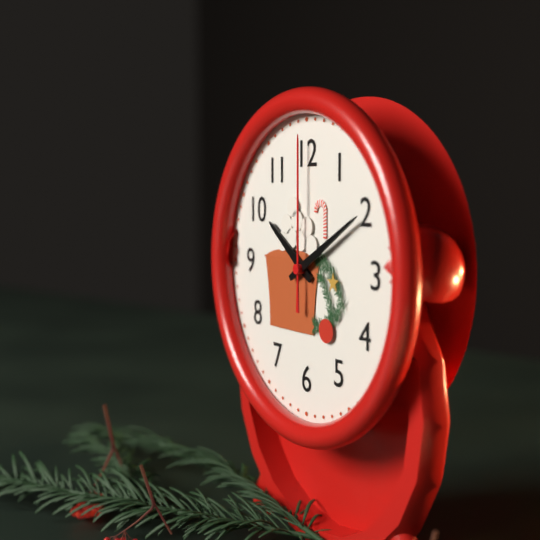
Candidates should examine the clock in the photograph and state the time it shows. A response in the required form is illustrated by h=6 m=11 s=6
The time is h=10 m=10 s=0
